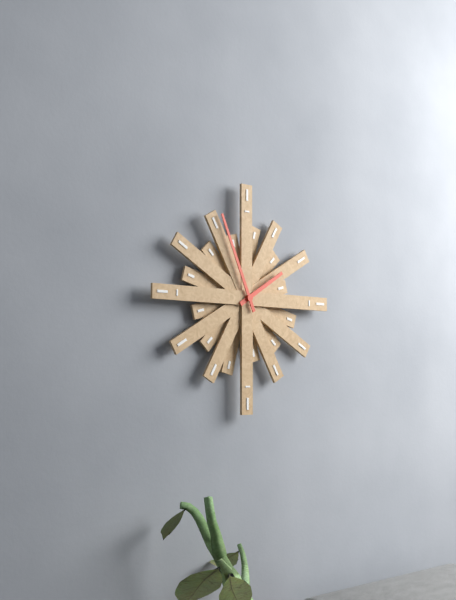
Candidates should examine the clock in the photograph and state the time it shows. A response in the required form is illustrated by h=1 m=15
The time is h=1 m=56
